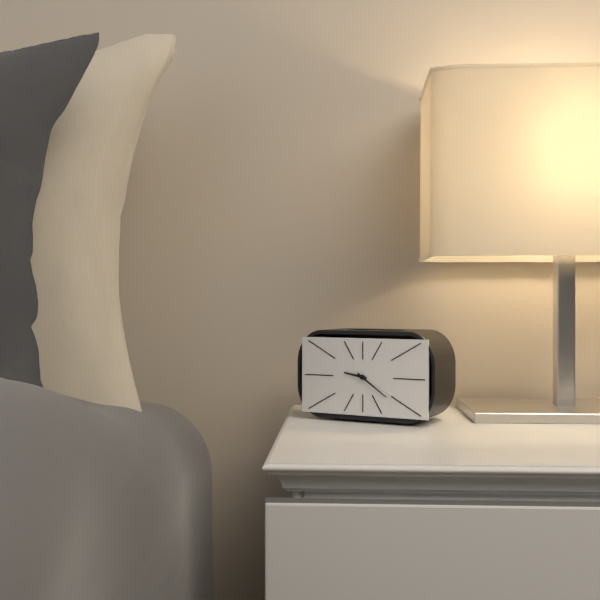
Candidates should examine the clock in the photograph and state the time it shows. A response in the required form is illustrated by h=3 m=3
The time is h=9 m=21
